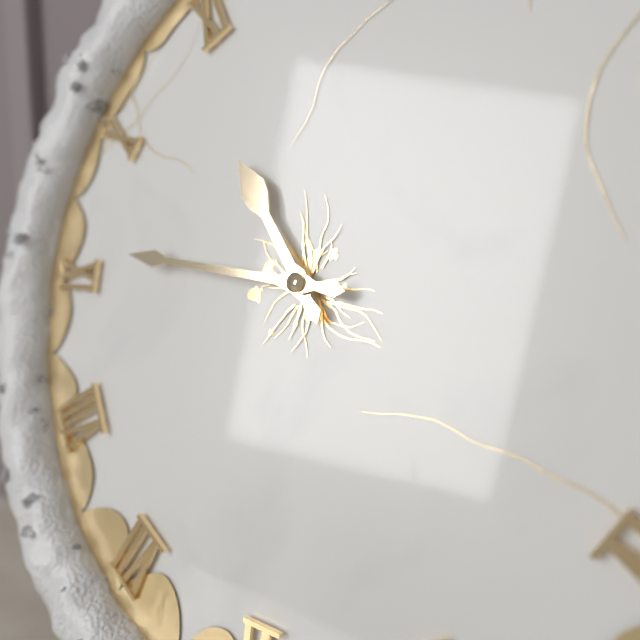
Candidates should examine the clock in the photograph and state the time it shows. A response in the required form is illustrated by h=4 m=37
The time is h=10 m=46
